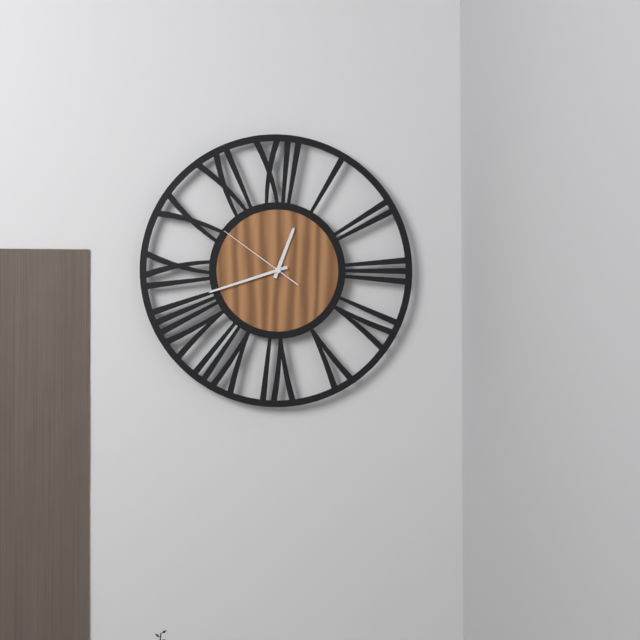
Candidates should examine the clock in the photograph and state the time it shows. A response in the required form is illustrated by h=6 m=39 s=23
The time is h=12 m=42 s=51
